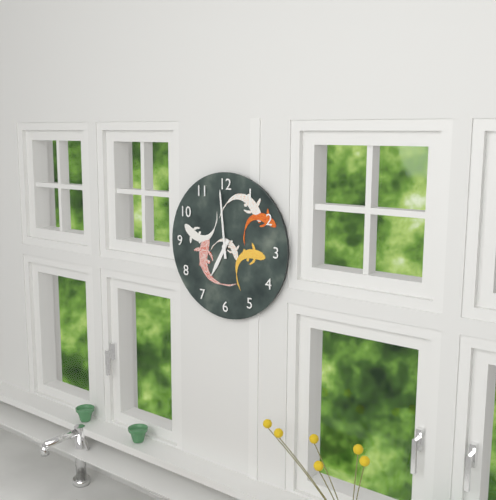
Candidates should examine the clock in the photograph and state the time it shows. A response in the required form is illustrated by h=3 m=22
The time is h=6 m=59
